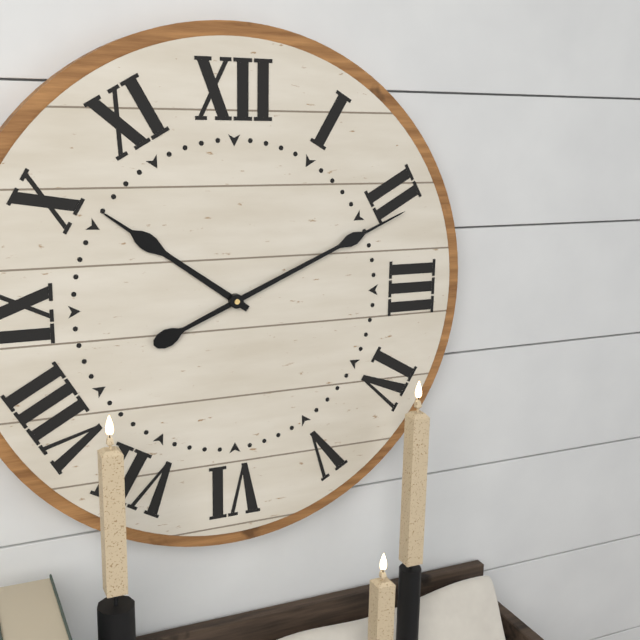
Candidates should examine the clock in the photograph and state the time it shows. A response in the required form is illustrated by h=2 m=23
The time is h=10 m=11
